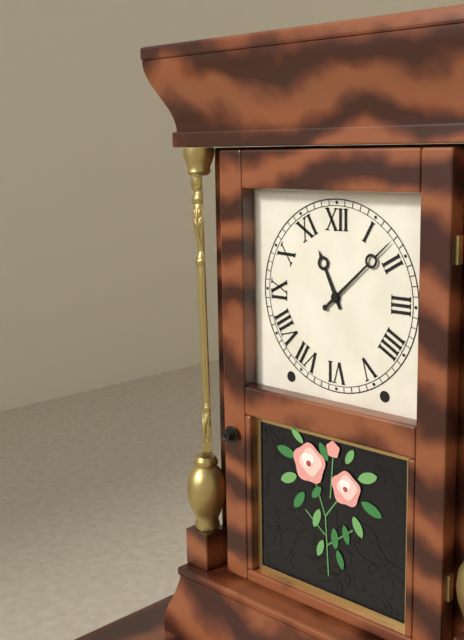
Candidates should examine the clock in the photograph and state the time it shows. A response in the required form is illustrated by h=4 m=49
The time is h=11 m=8
